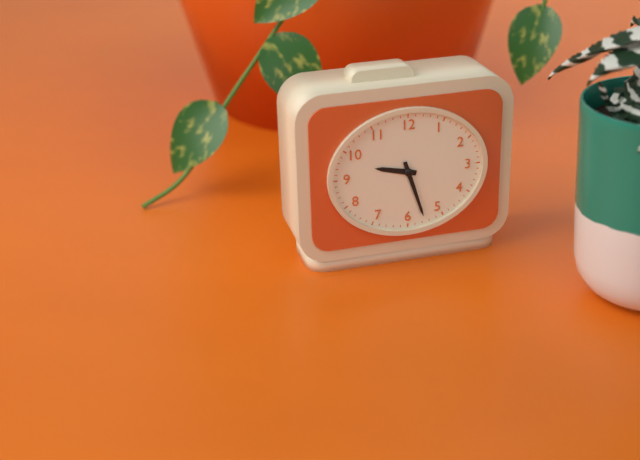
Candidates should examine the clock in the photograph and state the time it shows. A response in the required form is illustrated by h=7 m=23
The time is h=9 m=27
